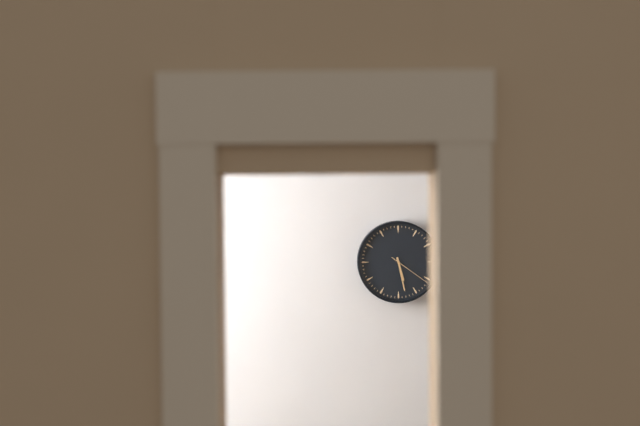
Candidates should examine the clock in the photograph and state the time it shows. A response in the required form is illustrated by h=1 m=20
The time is h=5 m=28
